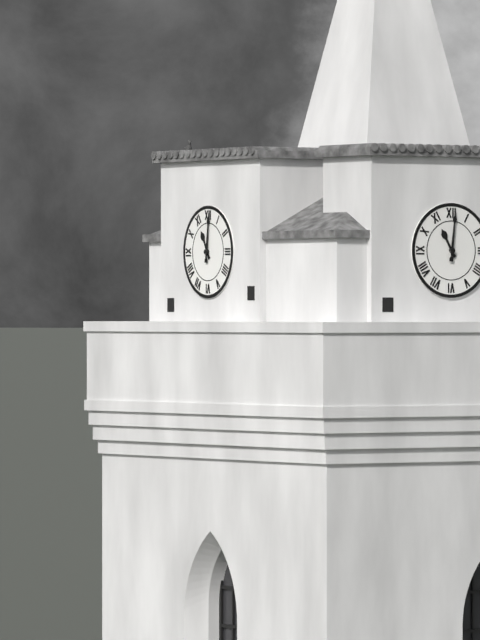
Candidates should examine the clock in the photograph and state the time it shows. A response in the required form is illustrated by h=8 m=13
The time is h=11 m=1
